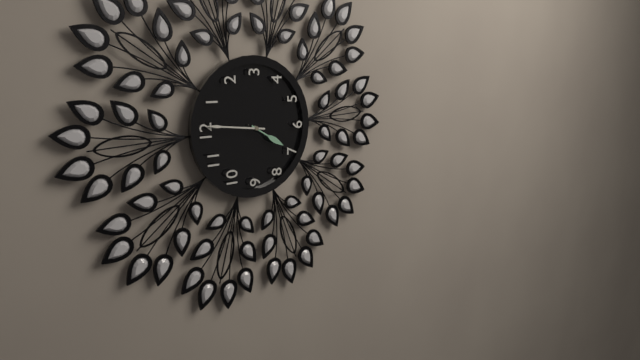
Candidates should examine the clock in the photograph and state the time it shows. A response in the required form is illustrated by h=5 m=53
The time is h=7 m=1
